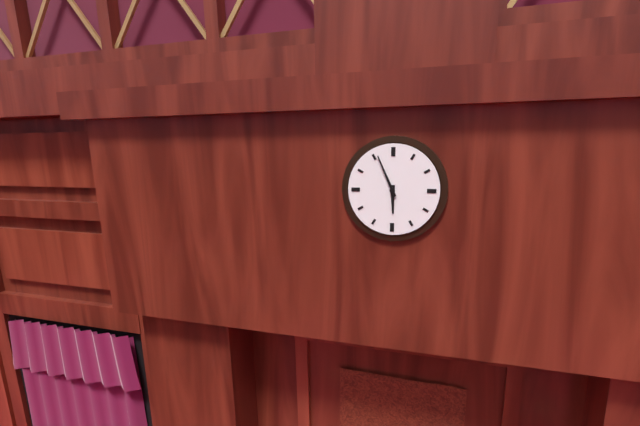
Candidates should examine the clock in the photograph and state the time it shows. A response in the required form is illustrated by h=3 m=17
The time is h=5 m=56
